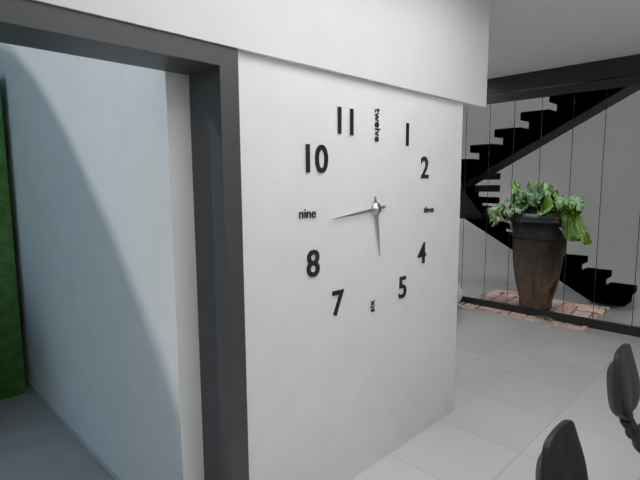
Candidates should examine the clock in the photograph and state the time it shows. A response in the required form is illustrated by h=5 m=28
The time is h=5 m=44
